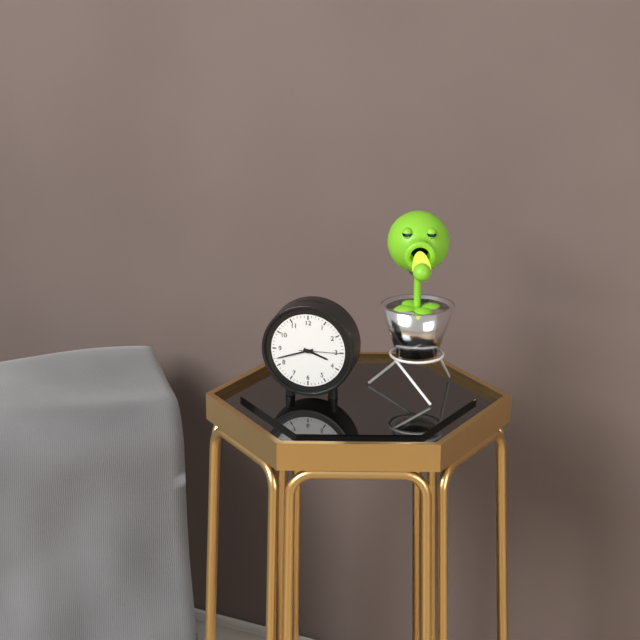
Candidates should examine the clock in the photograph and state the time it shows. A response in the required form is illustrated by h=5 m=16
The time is h=3 m=42
